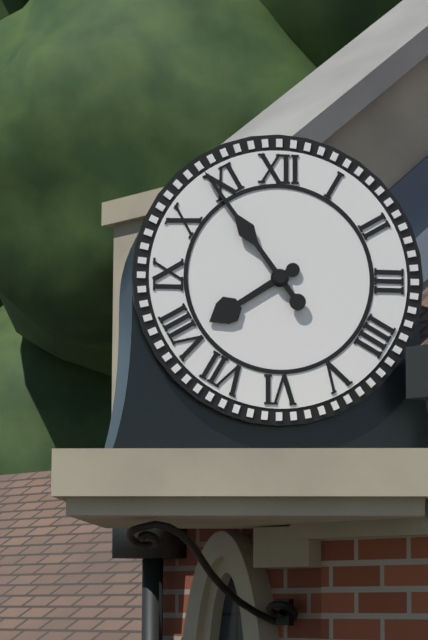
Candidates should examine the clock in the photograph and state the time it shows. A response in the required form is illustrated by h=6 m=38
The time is h=7 m=54
